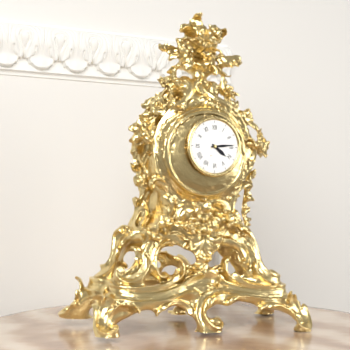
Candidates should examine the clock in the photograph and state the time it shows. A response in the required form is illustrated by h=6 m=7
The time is h=4 m=14
